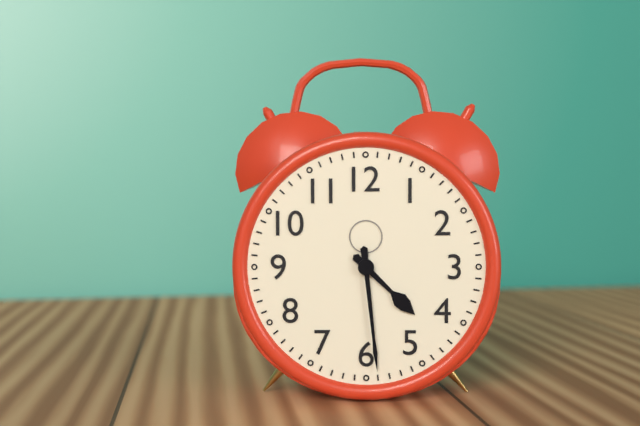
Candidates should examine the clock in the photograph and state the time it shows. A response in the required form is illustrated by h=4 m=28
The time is h=4 m=29
